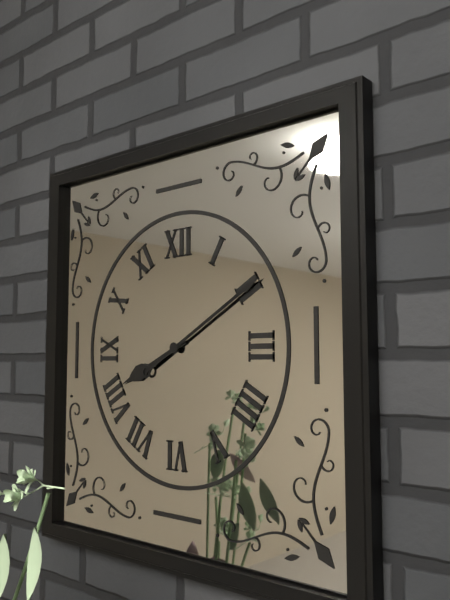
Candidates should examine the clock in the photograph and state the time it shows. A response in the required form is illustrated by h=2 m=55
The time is h=8 m=10
